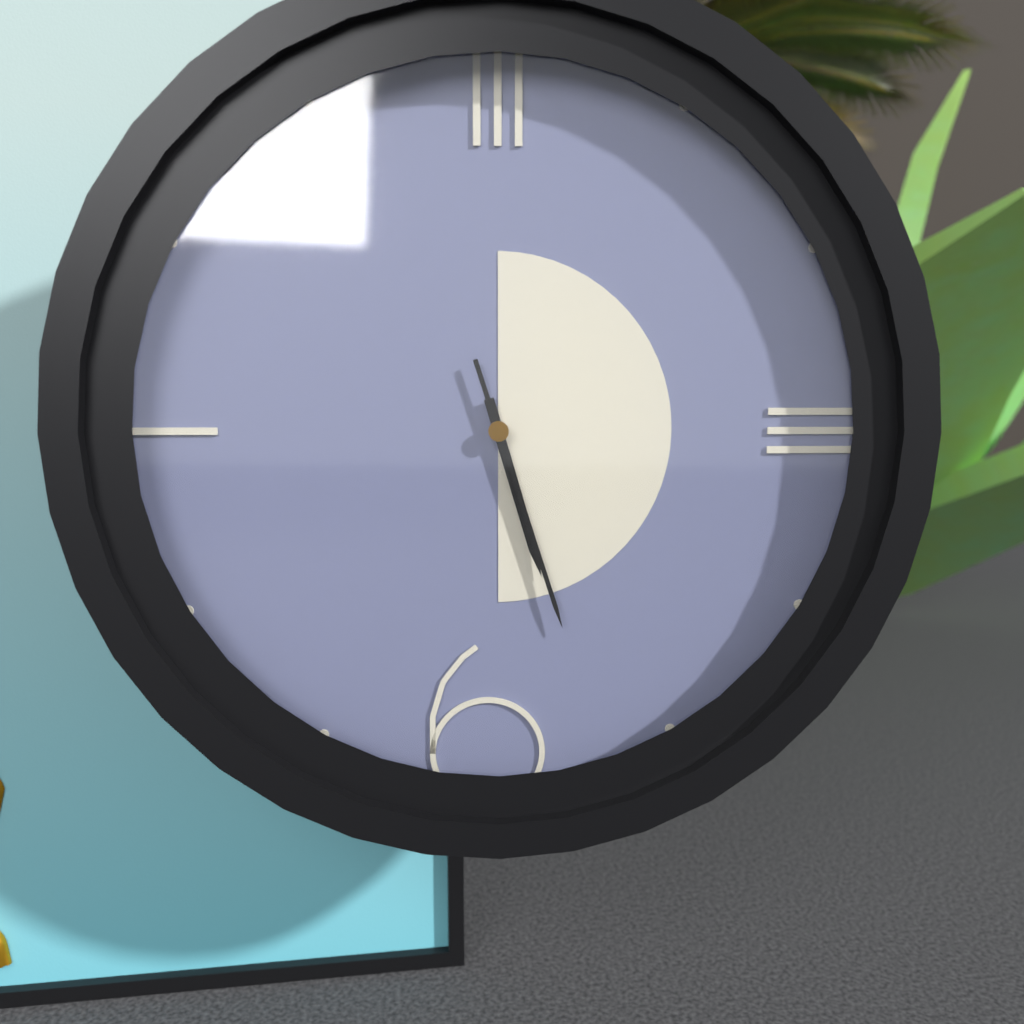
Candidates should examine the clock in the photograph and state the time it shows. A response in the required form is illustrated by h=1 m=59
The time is h=5 m=27
